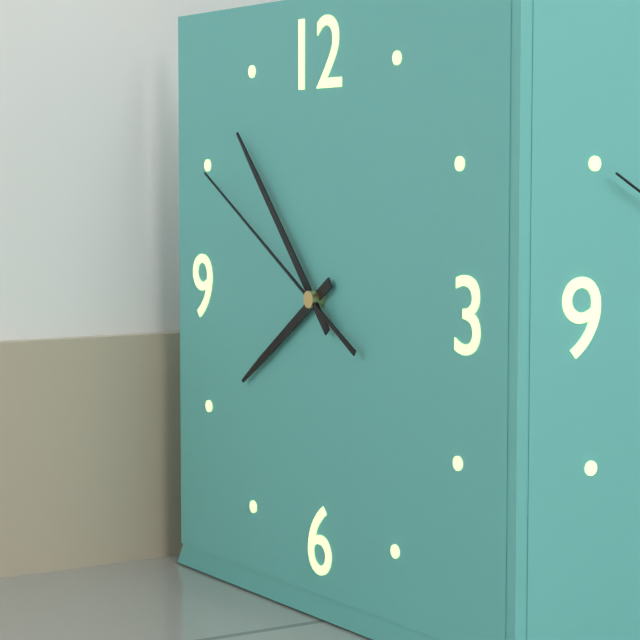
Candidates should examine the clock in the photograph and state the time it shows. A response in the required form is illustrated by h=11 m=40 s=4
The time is h=7 m=53 s=50
